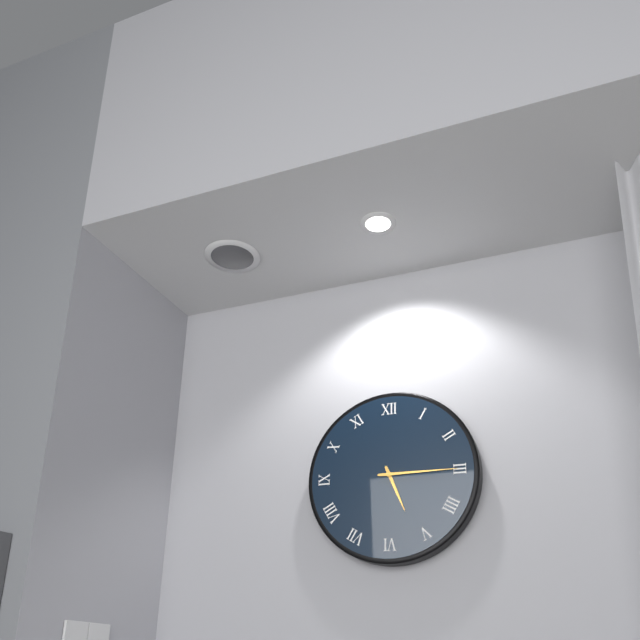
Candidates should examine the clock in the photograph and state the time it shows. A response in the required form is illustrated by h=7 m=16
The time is h=5 m=15
